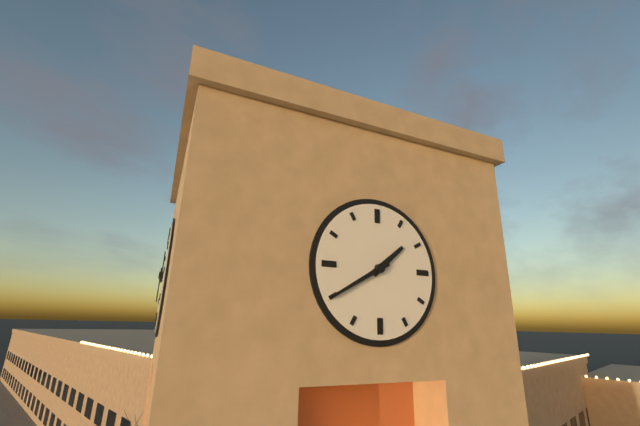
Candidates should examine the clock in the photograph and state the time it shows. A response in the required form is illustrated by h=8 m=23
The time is h=1 m=40
